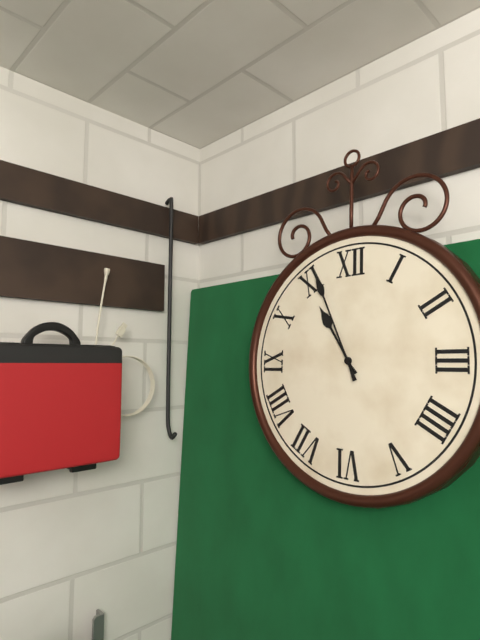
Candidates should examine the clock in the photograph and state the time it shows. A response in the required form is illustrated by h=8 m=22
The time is h=10 m=56
